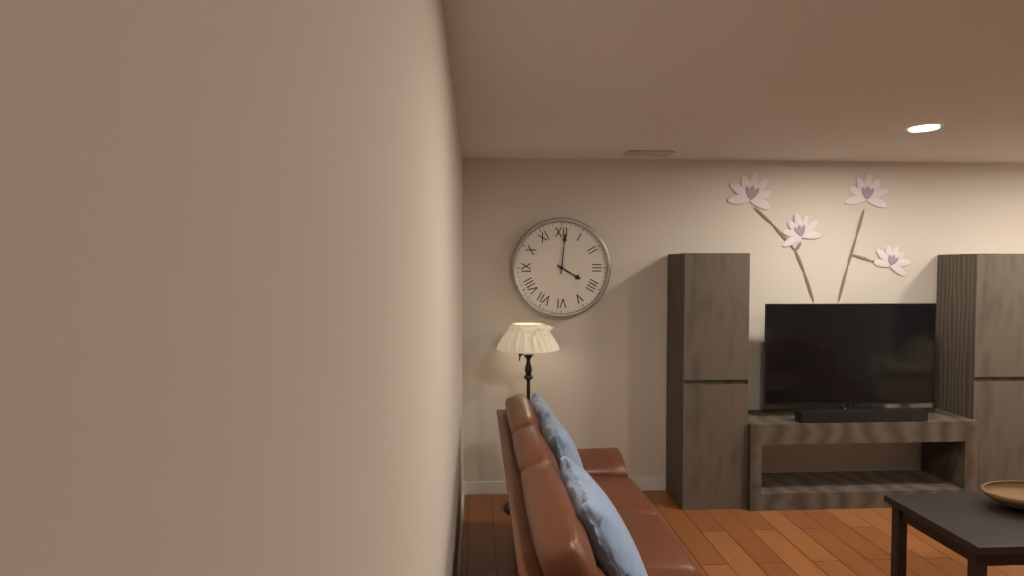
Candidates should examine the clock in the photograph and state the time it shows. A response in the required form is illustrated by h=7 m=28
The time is h=4 m=1
